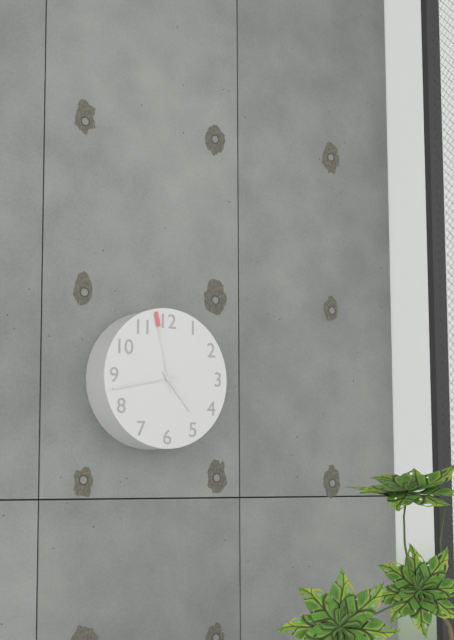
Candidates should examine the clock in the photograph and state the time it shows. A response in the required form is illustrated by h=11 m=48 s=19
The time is h=4 m=43 s=58
